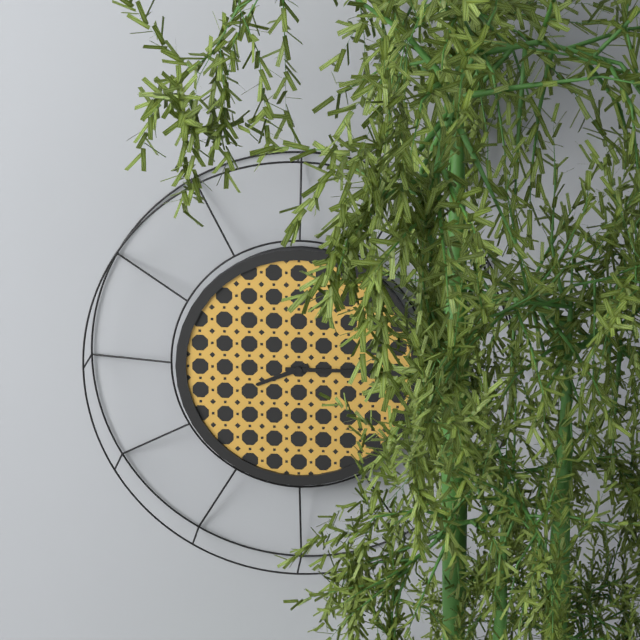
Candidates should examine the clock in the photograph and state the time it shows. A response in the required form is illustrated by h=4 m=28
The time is h=8 m=15
